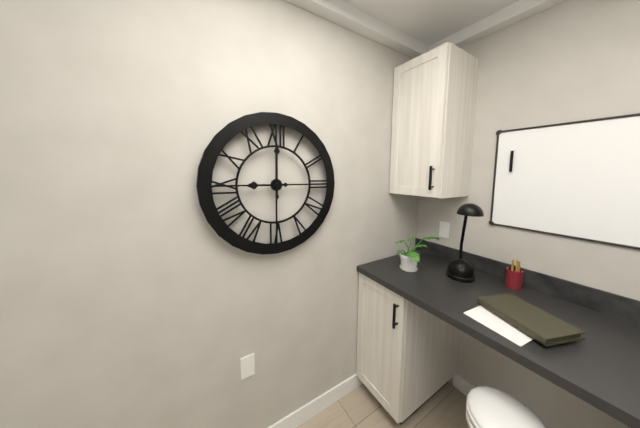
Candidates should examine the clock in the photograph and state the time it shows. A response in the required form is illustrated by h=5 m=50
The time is h=9 m=0
